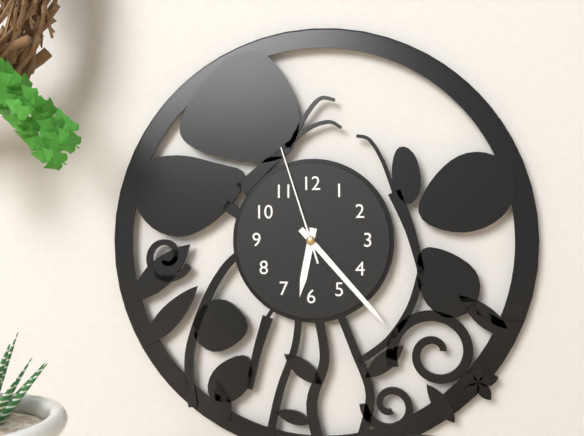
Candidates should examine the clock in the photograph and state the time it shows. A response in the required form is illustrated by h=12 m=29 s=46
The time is h=6 m=23 s=57
